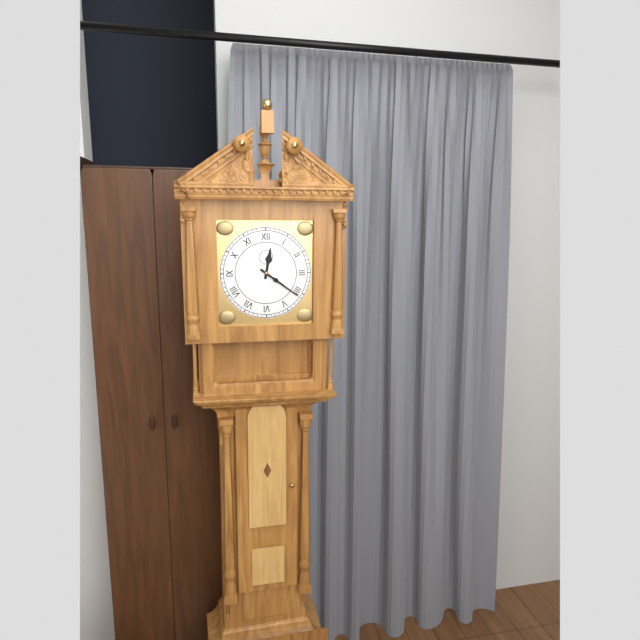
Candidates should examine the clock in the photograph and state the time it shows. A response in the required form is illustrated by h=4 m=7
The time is h=12 m=21
